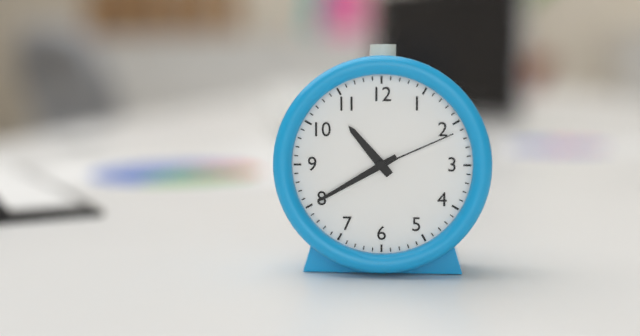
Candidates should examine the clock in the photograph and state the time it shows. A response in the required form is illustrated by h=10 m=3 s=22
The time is h=10 m=40 s=11
